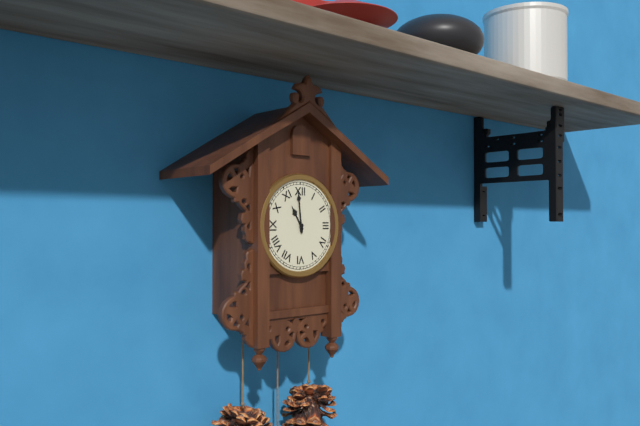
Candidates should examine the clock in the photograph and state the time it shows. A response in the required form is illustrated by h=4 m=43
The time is h=10 m=59
